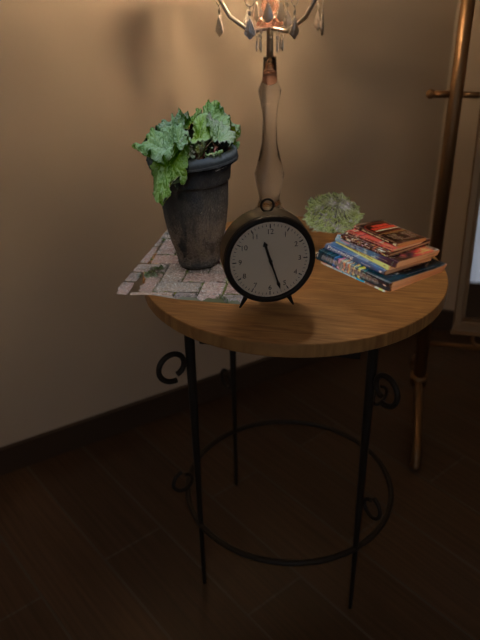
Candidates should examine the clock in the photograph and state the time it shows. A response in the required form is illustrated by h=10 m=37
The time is h=11 m=27
